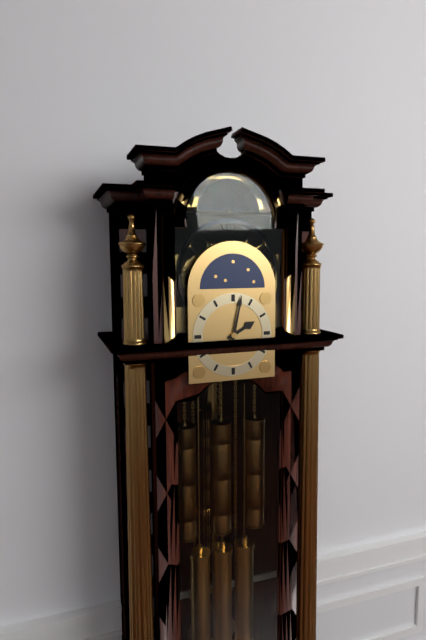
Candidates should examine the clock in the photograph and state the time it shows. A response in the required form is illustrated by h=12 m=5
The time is h=2 m=2
